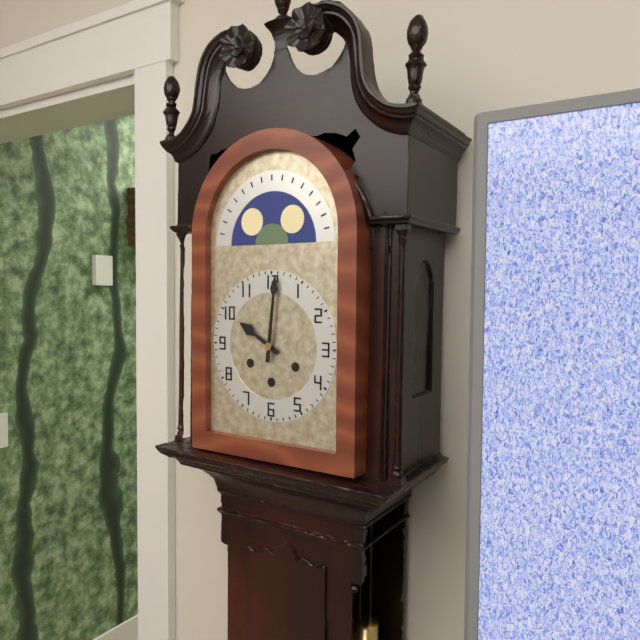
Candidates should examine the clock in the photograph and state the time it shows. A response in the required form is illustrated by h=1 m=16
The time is h=10 m=1
